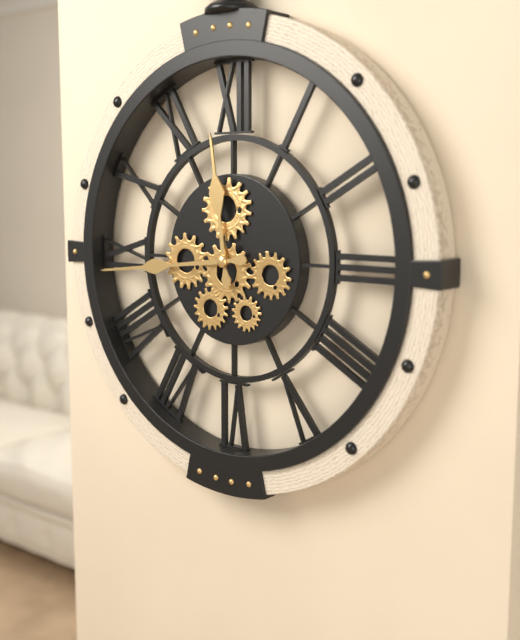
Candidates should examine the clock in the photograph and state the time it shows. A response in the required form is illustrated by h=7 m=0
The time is h=11 m=44
